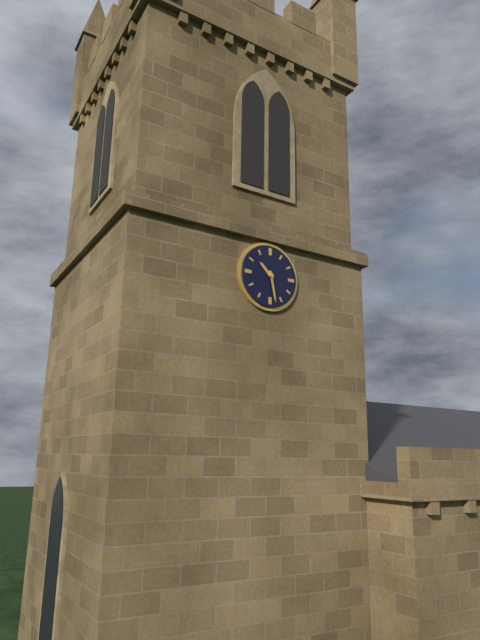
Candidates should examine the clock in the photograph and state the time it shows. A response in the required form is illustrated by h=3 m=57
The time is h=10 m=28
